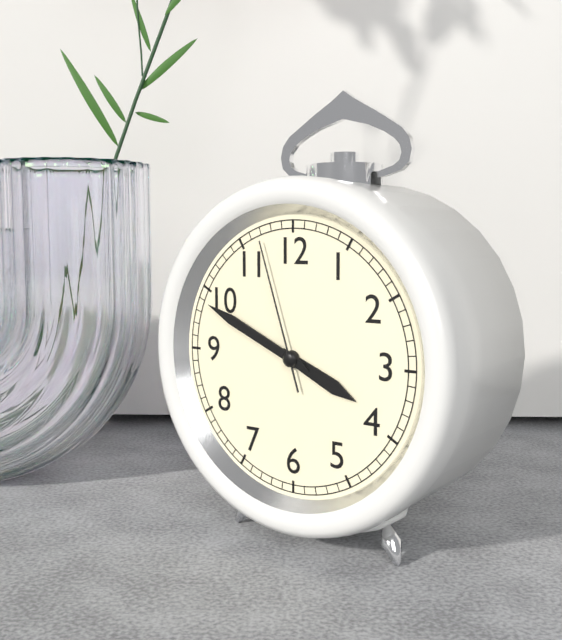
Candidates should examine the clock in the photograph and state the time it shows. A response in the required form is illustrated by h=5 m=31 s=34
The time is h=3 m=49 s=57
